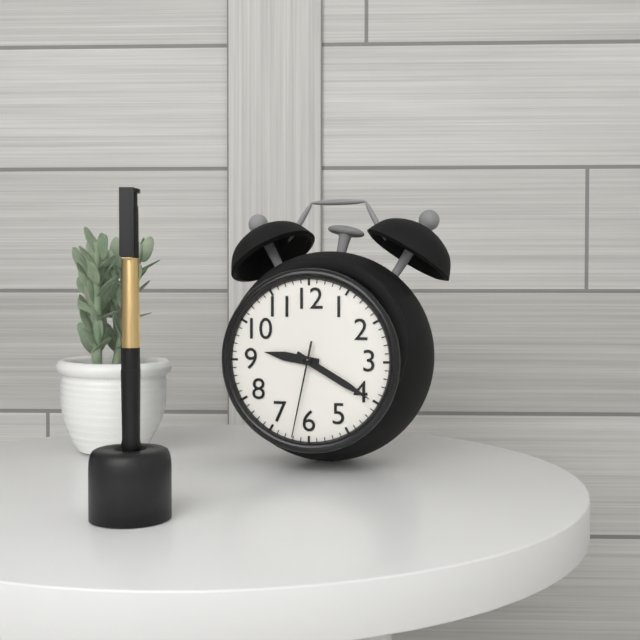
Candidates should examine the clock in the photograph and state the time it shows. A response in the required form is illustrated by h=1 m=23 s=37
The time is h=9 m=20 s=32
